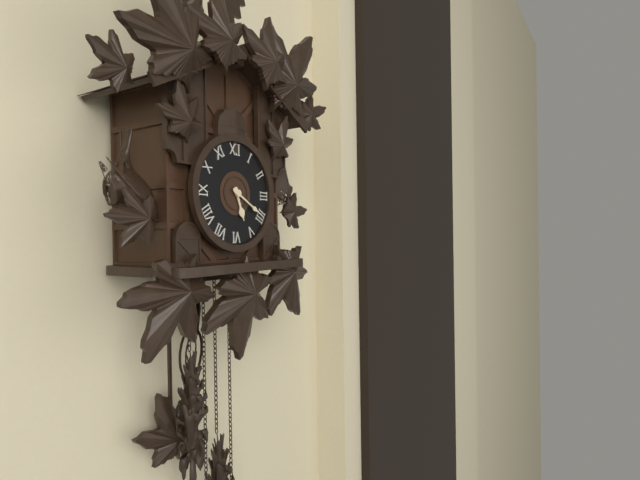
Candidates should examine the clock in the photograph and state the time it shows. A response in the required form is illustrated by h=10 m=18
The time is h=5 m=20
